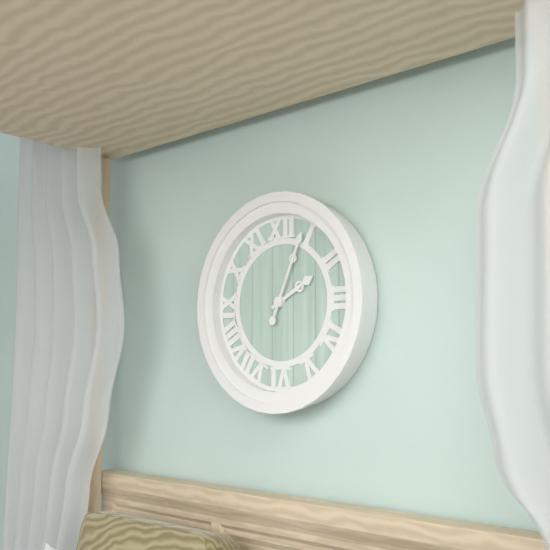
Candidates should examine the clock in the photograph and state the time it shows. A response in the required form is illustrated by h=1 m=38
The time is h=2 m=4
